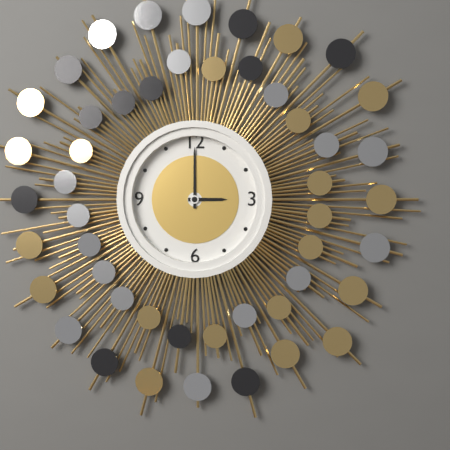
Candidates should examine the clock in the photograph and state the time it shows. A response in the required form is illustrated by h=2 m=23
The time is h=3 m=0
